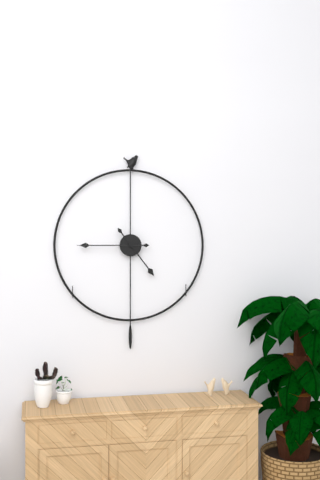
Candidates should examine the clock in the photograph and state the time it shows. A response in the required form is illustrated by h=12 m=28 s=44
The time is h=4 m=45 s=45
